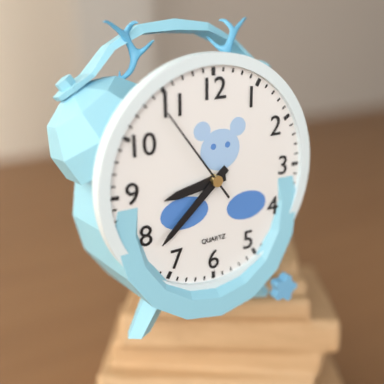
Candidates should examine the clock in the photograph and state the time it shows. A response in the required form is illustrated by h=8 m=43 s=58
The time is h=8 m=38 s=54
